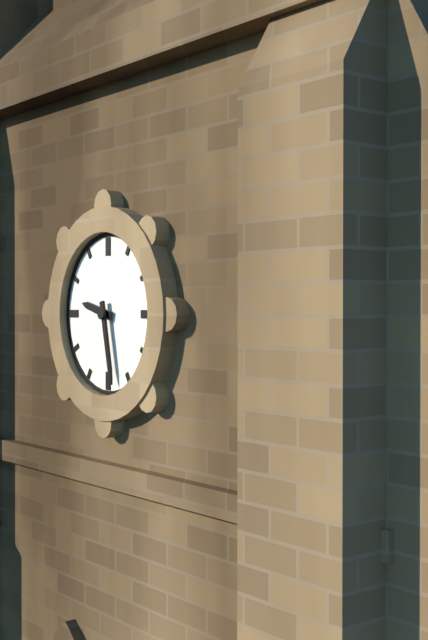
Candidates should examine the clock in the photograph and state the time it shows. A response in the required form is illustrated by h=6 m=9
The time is h=9 m=28
